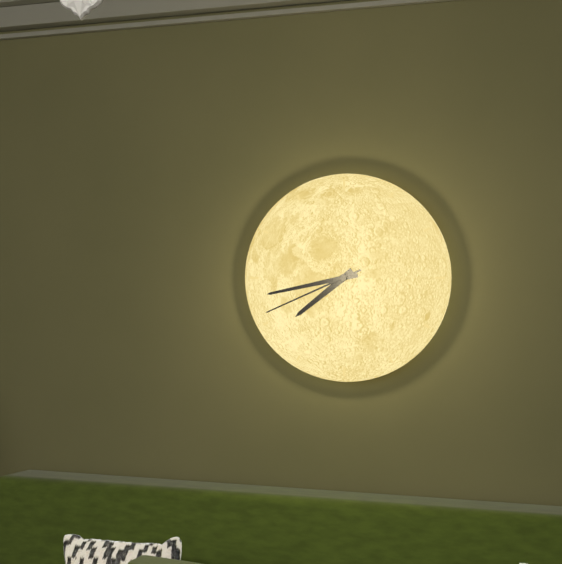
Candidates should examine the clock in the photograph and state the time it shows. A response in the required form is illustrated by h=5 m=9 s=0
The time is h=7 m=43 s=41
